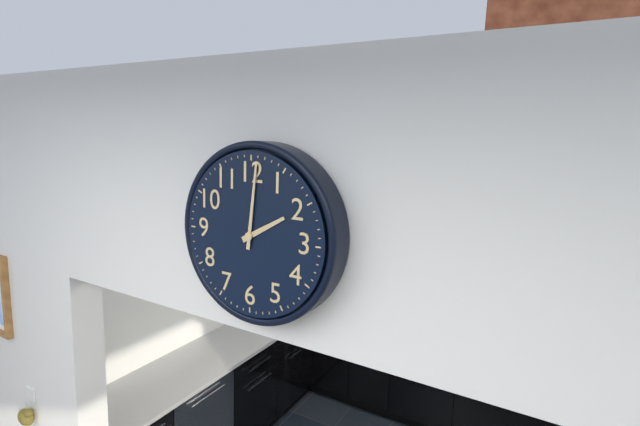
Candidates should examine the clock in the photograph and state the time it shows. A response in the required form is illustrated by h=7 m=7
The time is h=2 m=1
